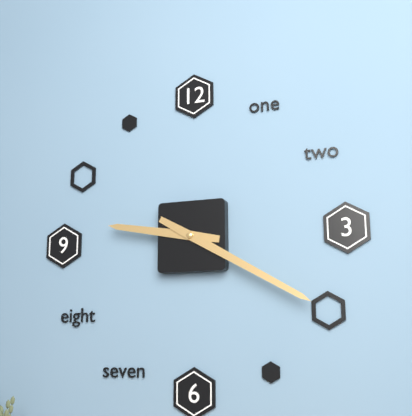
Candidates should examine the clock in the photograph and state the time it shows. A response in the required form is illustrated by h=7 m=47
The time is h=9 m=20
